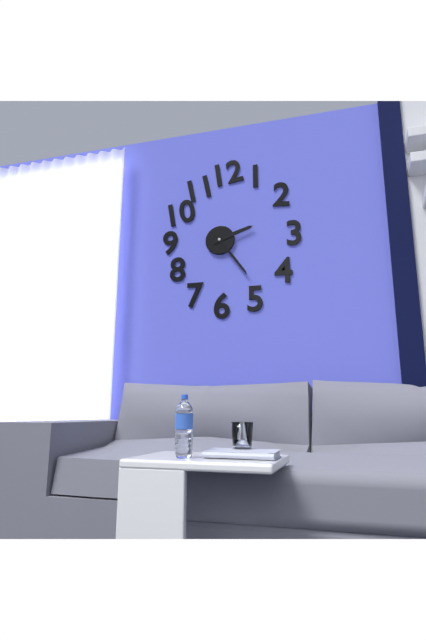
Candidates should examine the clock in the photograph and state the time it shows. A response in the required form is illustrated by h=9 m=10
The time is h=2 m=24
